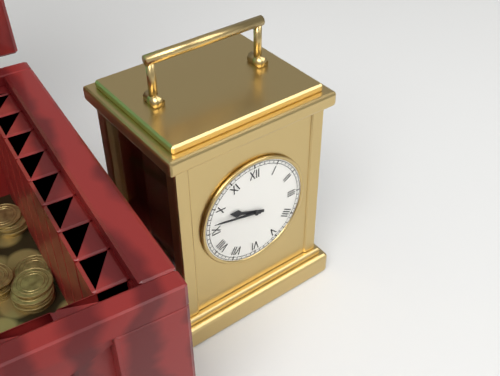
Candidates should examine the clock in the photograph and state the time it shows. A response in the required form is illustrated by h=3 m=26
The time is h=9 m=47
